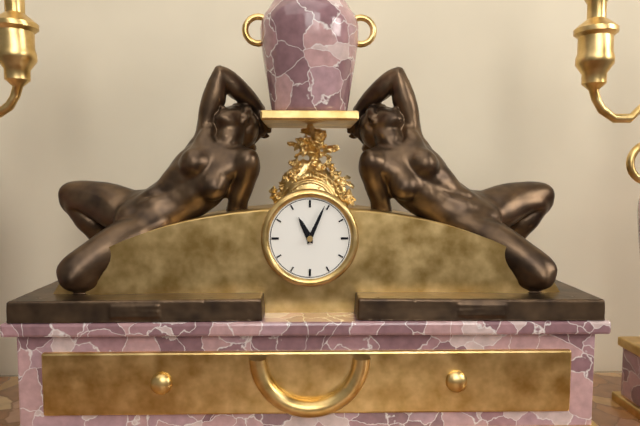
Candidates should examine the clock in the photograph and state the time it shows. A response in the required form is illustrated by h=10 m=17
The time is h=11 m=4
